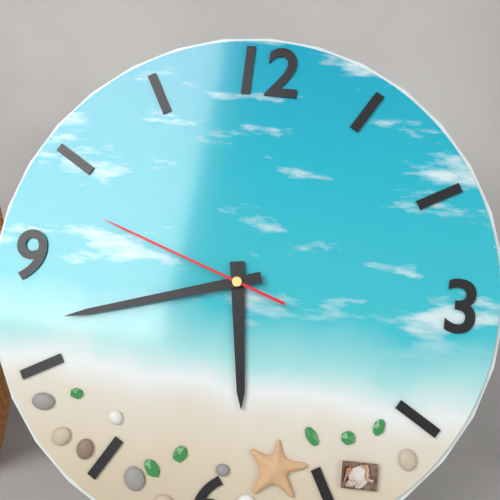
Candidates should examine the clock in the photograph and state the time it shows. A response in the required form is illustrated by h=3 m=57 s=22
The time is h=5 m=42 s=48
